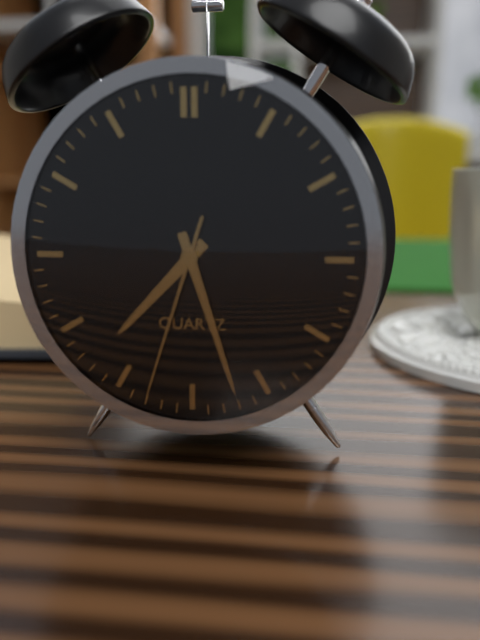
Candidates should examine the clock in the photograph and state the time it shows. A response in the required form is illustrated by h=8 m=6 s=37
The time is h=7 m=27 s=33
